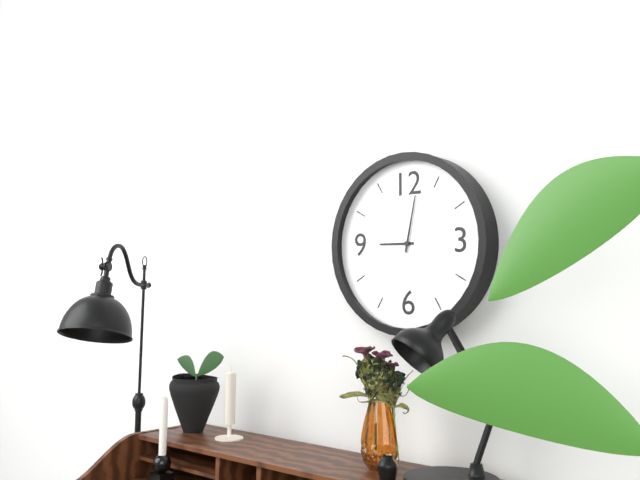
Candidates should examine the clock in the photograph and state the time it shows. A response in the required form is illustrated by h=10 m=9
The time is h=9 m=2
